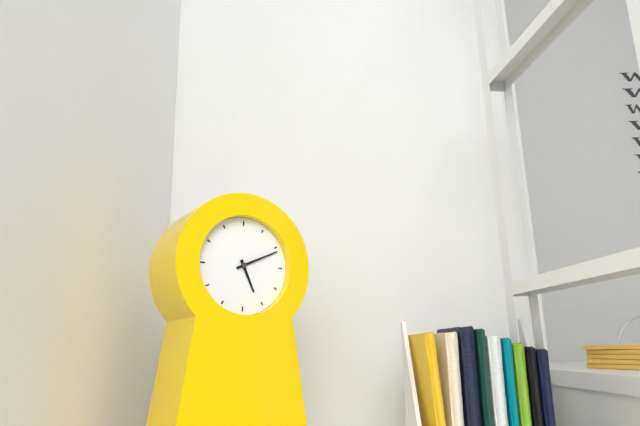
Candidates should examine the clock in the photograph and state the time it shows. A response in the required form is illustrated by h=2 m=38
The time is h=5 m=11
